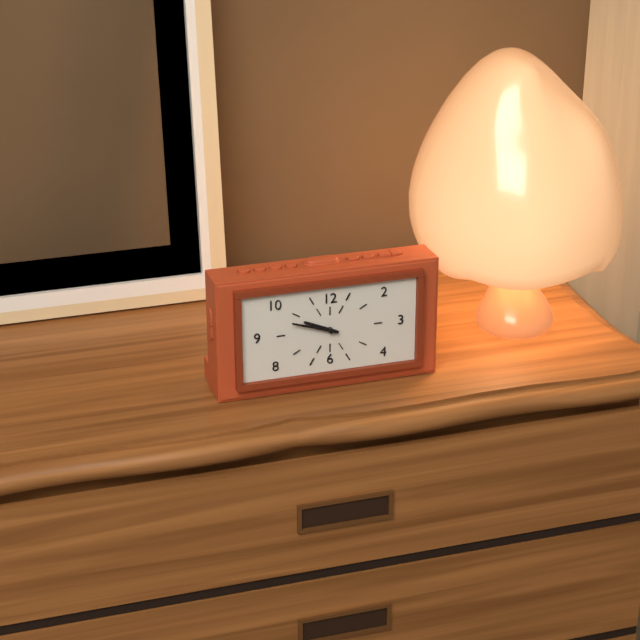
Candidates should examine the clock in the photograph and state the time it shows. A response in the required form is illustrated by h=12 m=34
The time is h=9 m=48
